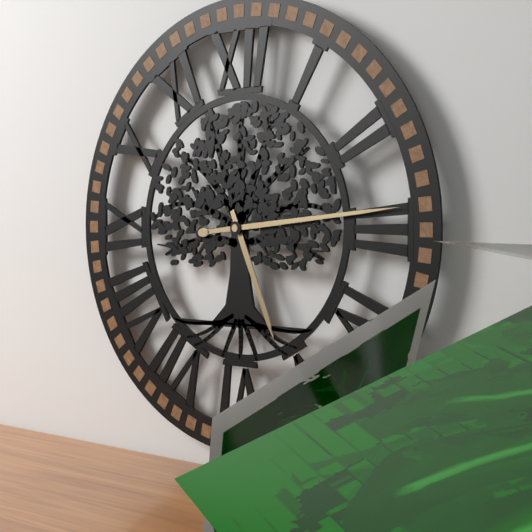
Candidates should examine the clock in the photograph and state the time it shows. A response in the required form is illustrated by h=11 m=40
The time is h=5 m=14
